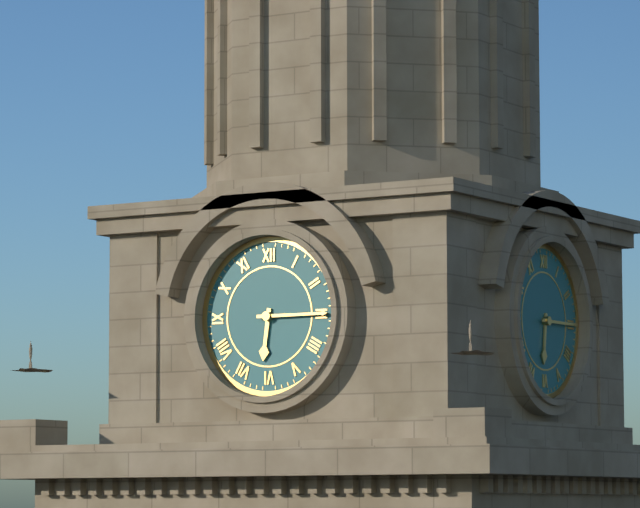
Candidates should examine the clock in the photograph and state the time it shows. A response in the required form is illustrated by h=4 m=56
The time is h=6 m=15
